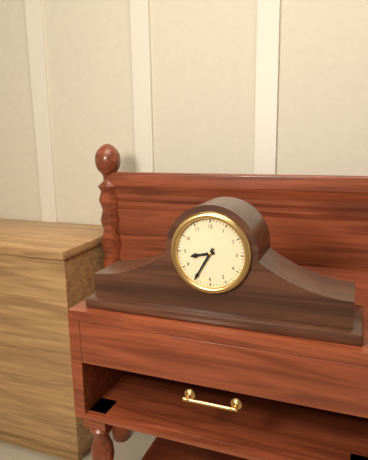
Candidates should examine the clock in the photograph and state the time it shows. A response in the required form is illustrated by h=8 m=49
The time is h=8 m=35
